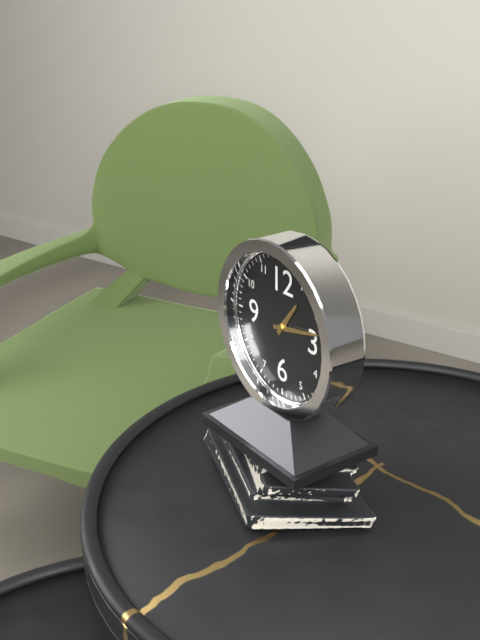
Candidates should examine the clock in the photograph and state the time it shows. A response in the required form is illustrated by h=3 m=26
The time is h=1 m=13
